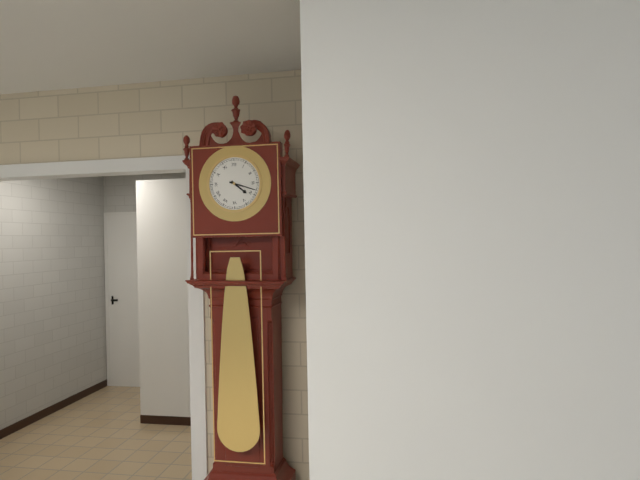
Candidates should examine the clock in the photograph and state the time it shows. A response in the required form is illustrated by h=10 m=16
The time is h=4 m=18
